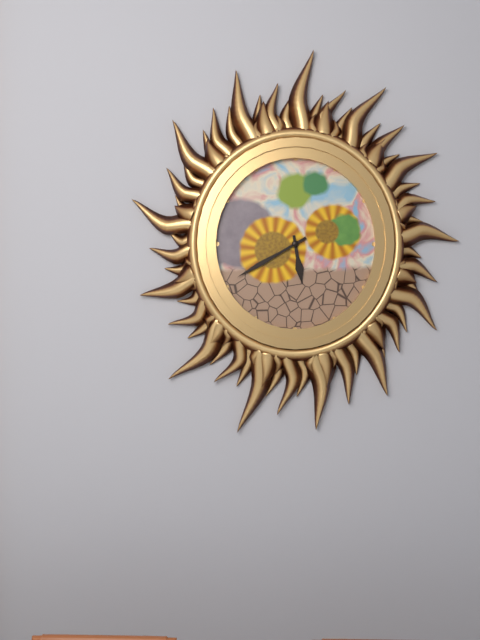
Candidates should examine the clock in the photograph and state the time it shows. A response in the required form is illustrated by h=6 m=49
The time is h=5 m=40
